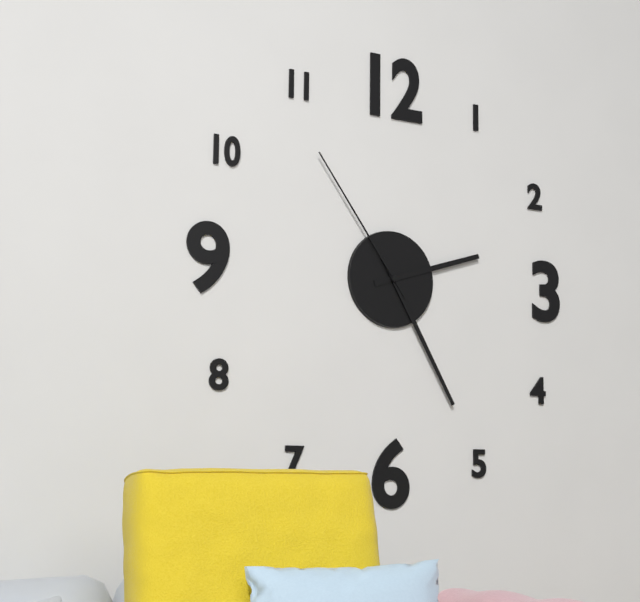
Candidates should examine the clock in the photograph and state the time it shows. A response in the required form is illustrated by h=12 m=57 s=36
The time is h=2 m=25 s=54
